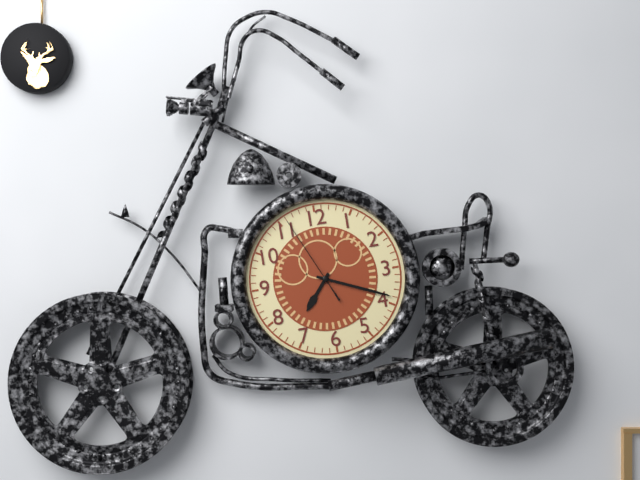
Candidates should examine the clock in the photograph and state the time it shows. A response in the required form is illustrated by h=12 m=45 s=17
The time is h=7 m=19 s=56
